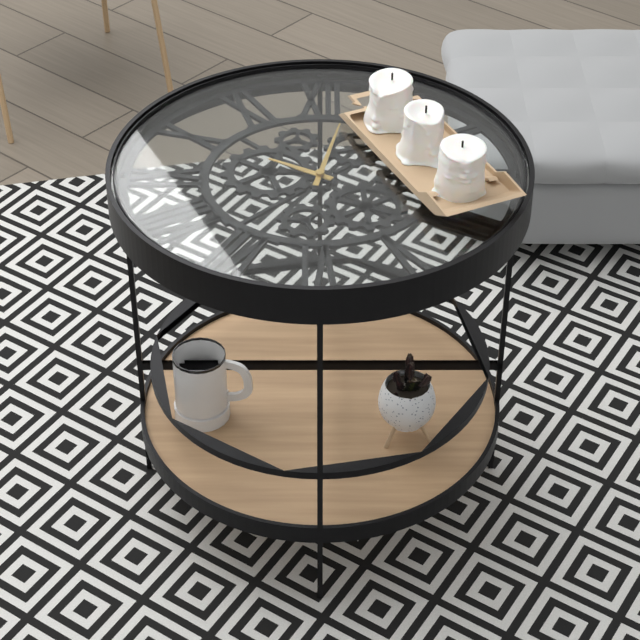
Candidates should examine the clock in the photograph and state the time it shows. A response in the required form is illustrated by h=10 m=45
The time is h=10 m=2
